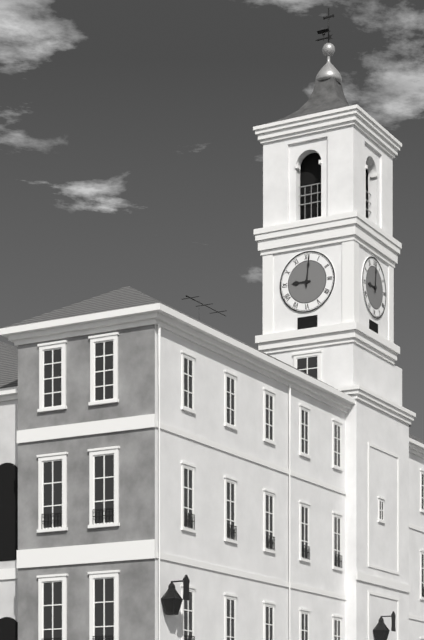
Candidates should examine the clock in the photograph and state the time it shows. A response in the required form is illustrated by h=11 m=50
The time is h=9 m=1
